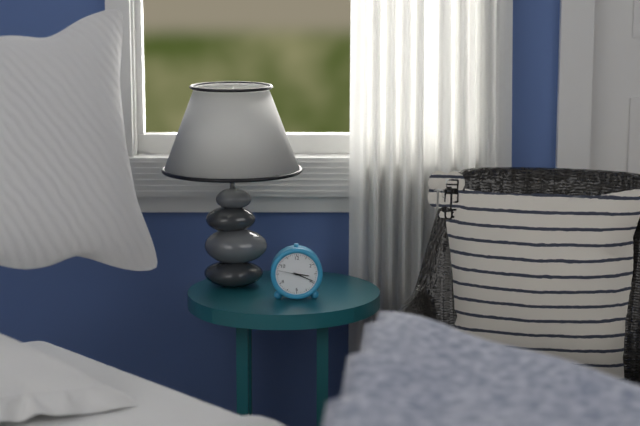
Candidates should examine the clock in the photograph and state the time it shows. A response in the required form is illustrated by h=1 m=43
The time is h=3 m=19
